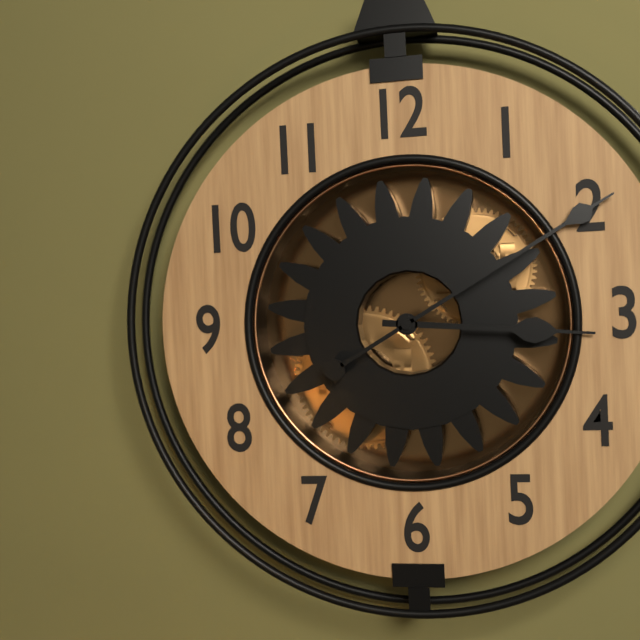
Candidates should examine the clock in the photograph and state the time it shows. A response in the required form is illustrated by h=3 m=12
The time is h=3 m=10
